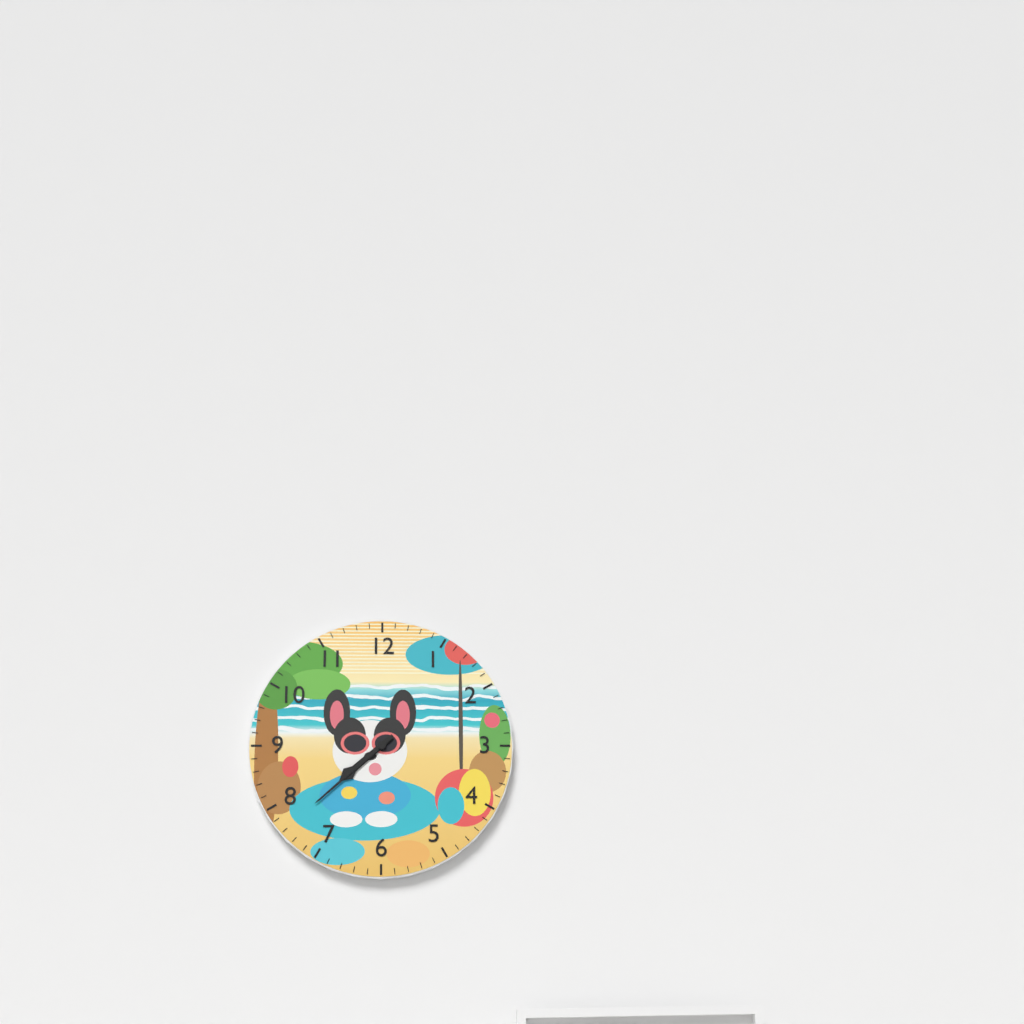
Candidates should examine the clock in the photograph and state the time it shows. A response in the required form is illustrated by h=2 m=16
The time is h=7 m=38
